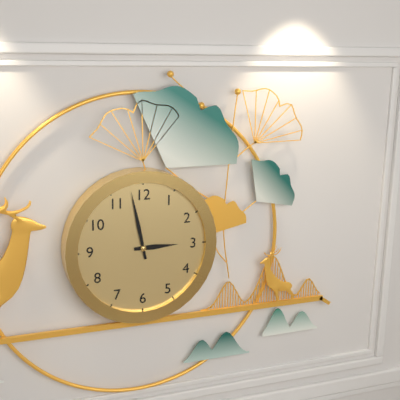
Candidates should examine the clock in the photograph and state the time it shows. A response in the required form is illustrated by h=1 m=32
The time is h=2 m=58
